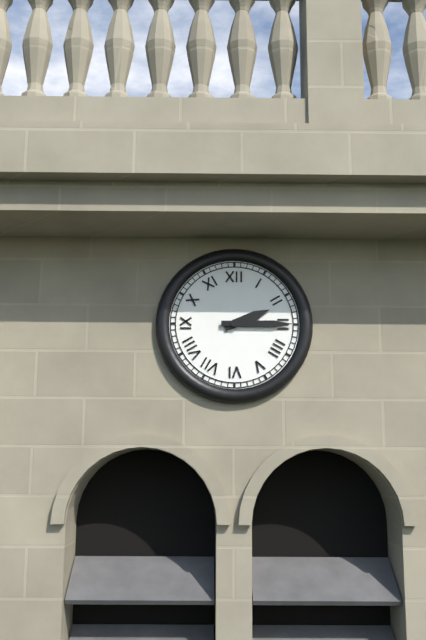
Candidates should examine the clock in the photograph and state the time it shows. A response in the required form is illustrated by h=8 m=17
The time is h=2 m=15
